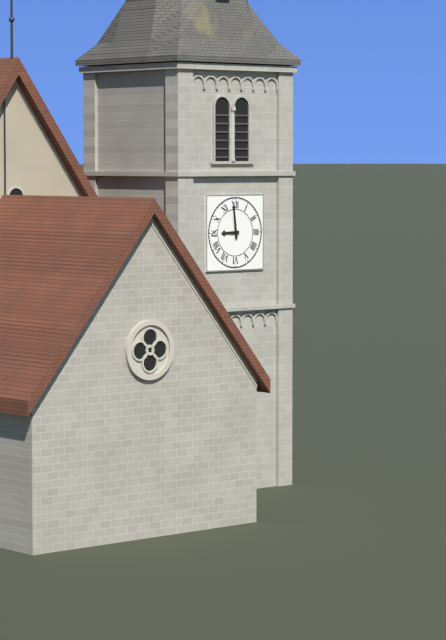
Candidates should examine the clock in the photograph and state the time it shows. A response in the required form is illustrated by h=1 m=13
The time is h=8 m=59
